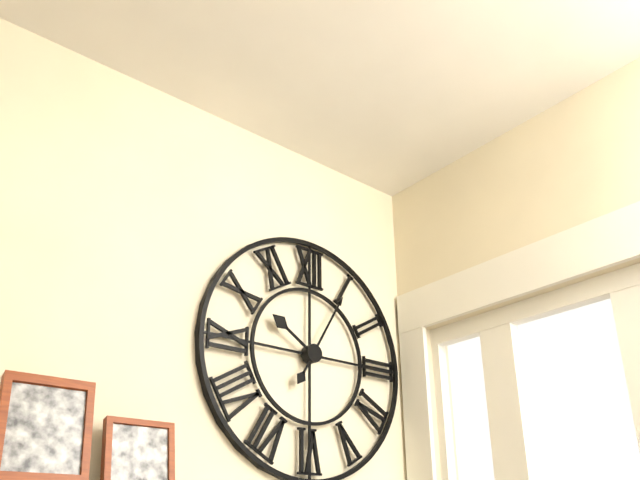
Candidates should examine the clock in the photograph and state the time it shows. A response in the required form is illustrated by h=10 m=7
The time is h=10 m=5
